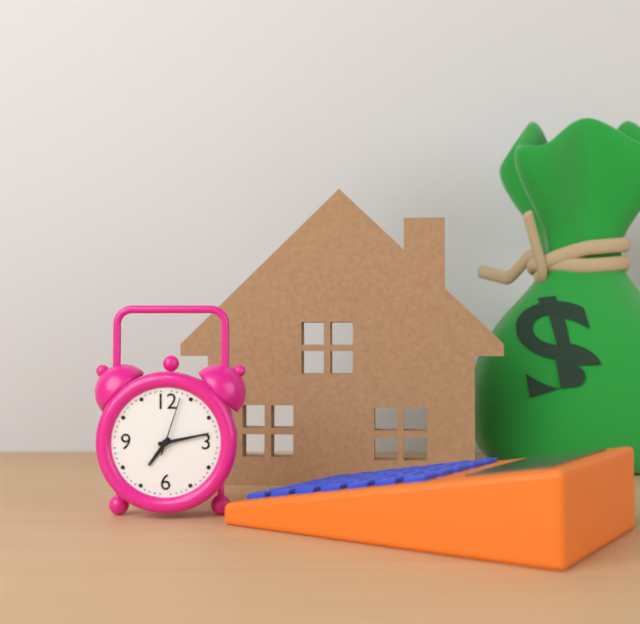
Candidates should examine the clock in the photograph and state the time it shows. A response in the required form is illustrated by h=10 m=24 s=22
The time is h=7 m=13 s=3
